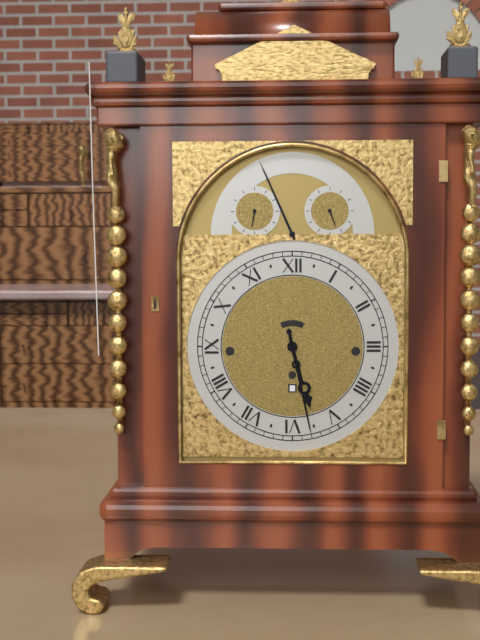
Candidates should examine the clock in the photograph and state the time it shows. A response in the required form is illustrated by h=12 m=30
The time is h=5 m=28
